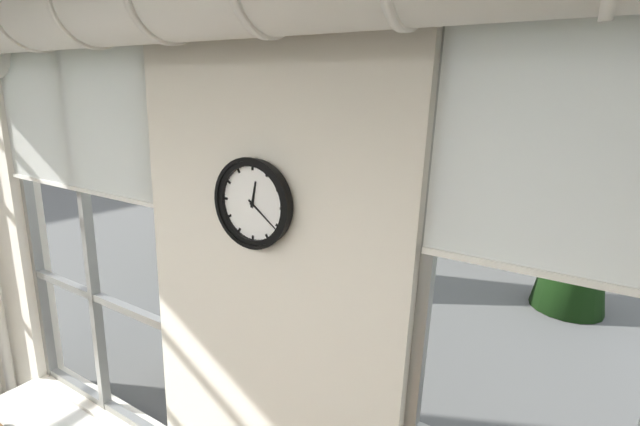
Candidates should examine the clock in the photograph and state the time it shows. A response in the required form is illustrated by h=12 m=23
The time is h=12 m=21
